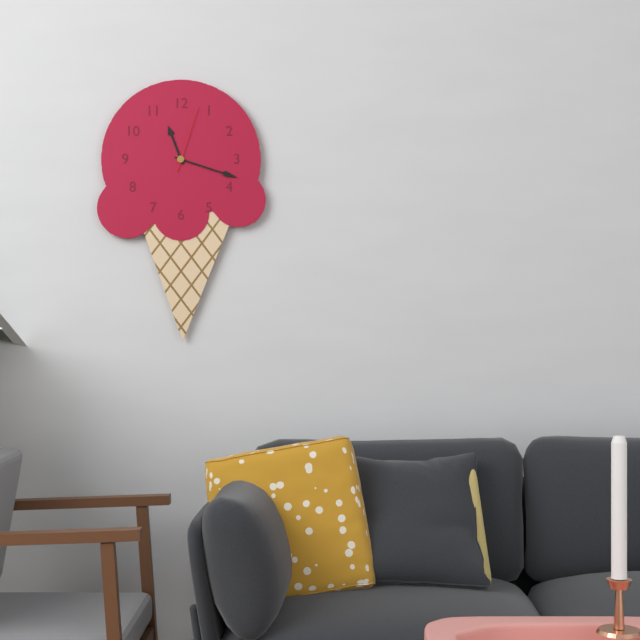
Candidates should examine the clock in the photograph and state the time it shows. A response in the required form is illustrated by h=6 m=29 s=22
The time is h=11 m=18 s=3
